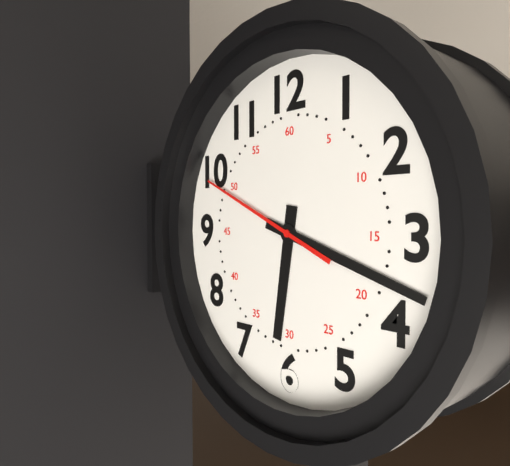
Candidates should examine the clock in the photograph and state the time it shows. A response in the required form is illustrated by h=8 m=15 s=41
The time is h=6 m=18 s=49
